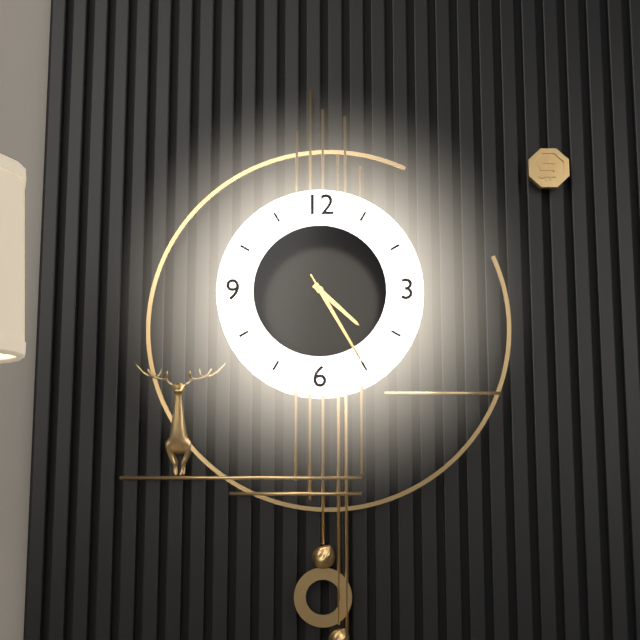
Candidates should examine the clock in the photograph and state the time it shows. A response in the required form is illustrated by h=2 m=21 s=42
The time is h=4 m=25 s=25
